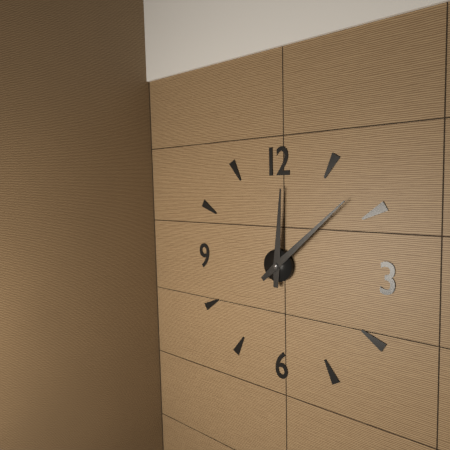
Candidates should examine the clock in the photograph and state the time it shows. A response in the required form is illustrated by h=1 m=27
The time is h=12 m=8
